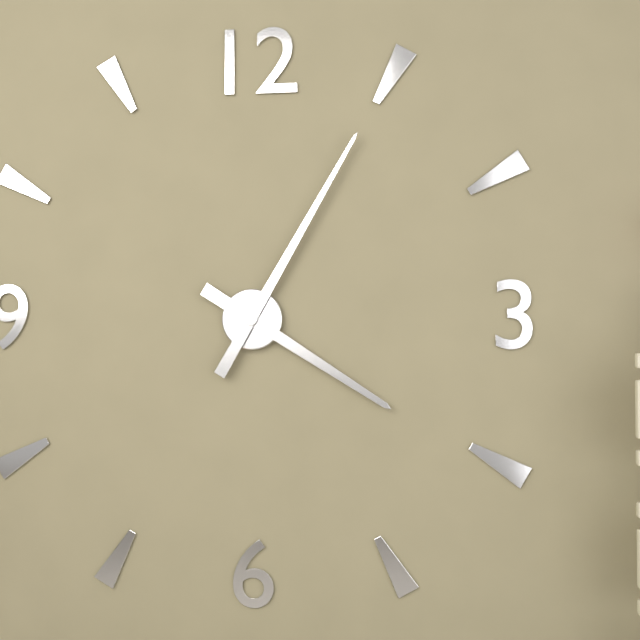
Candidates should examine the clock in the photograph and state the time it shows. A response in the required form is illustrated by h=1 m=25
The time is h=4 m=5
